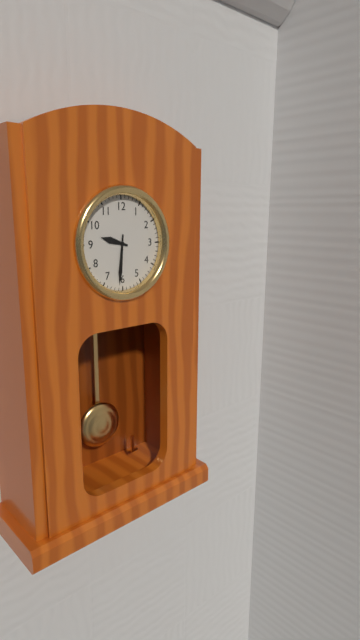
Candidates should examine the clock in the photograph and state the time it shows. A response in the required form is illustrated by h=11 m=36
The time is h=9 m=31
